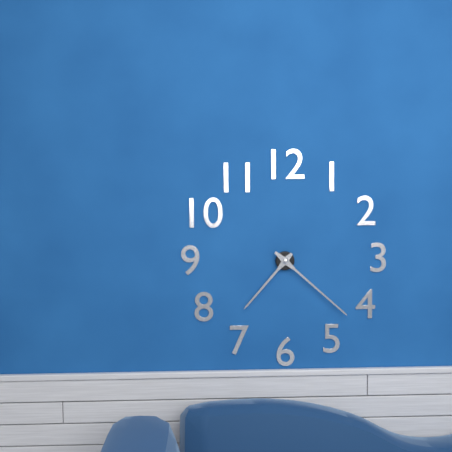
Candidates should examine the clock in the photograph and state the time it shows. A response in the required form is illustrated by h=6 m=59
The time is h=7 m=22
